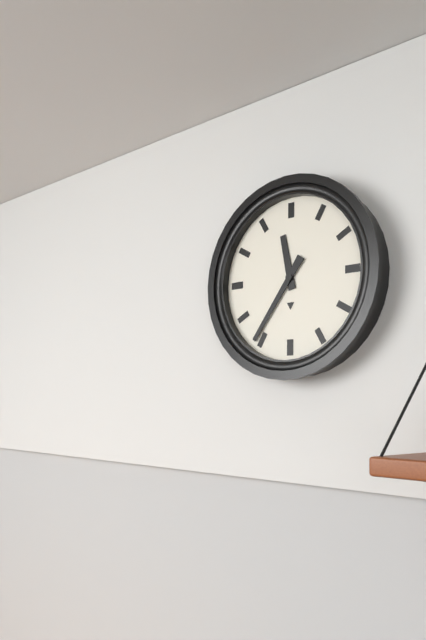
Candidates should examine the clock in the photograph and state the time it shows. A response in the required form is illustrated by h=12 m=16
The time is h=11 m=36
